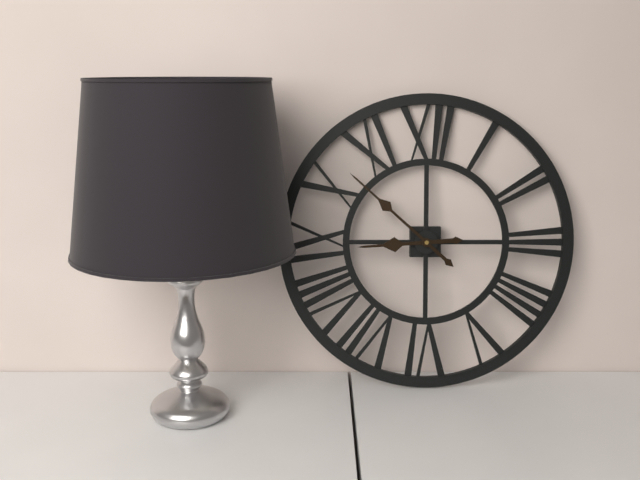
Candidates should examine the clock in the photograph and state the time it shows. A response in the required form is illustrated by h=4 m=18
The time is h=8 m=52
